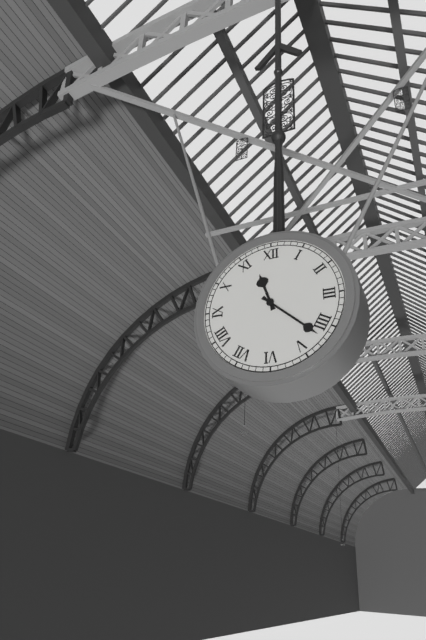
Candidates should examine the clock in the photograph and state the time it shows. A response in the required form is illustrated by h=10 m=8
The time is h=11 m=22
